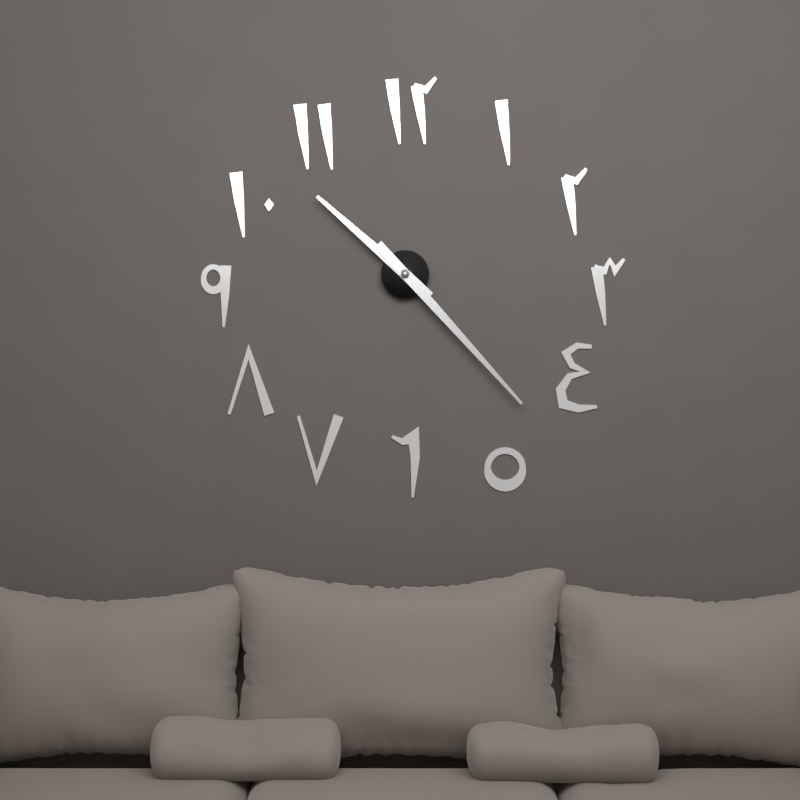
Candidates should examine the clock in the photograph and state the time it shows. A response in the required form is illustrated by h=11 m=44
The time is h=10 m=23
